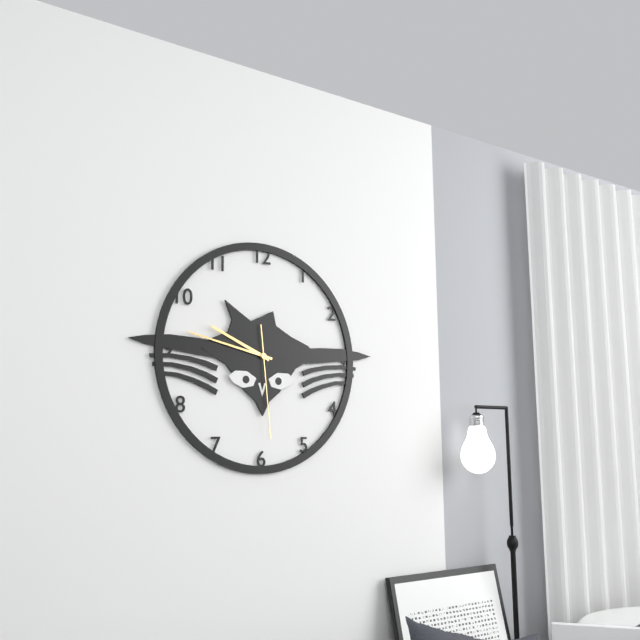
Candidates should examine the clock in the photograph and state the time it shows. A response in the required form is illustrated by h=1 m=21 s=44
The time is h=9 m=47 s=29
